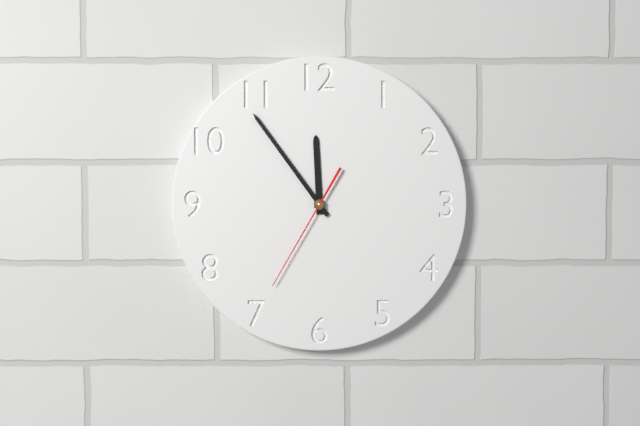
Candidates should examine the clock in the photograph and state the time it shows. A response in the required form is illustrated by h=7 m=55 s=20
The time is h=11 m=54 s=35
